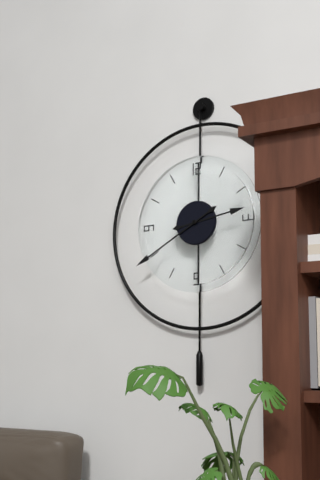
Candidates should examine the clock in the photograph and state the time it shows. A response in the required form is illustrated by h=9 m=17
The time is h=2 m=40
